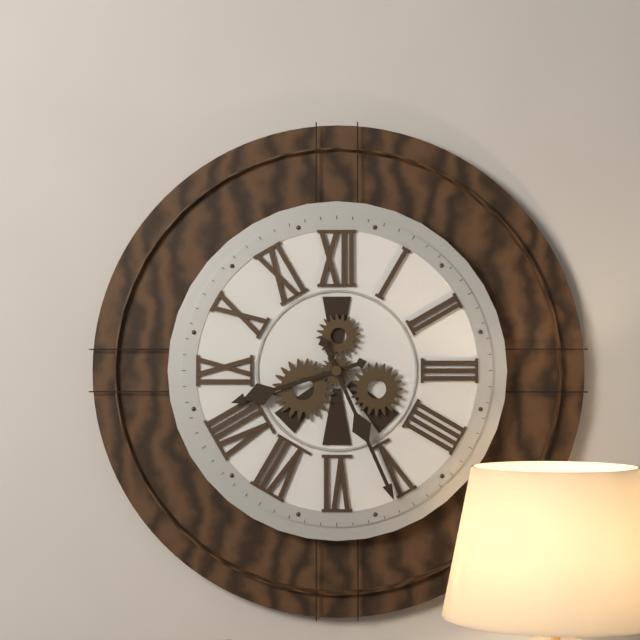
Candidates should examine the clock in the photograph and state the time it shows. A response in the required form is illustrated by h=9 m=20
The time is h=8 m=26
